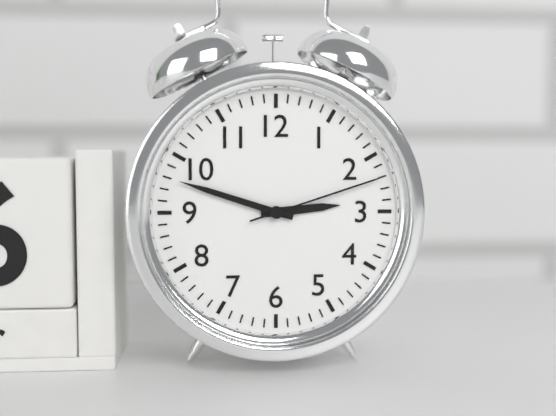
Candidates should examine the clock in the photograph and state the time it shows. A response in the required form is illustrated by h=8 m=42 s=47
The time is h=2 m=48 s=12
